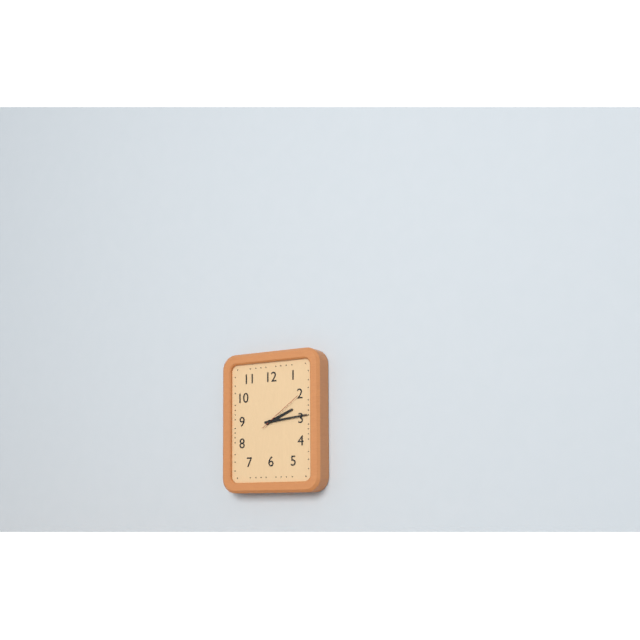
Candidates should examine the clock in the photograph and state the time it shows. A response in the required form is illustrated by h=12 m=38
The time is h=2 m=14
